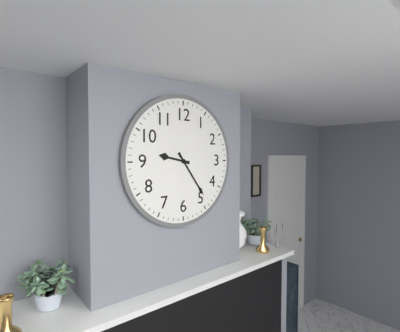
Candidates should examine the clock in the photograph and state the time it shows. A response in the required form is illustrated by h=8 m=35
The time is h=9 m=24
